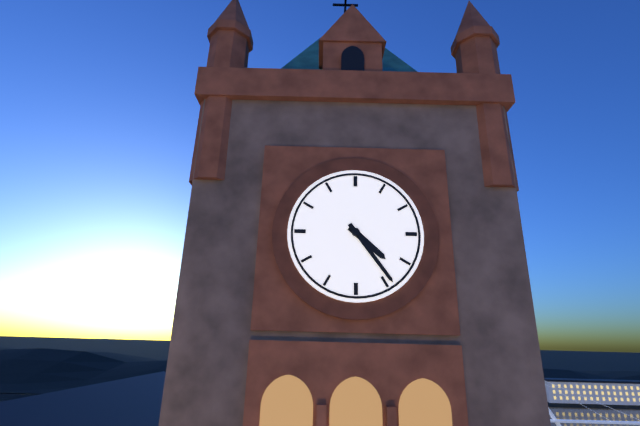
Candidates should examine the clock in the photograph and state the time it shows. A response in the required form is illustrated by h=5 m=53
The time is h=4 m=24
